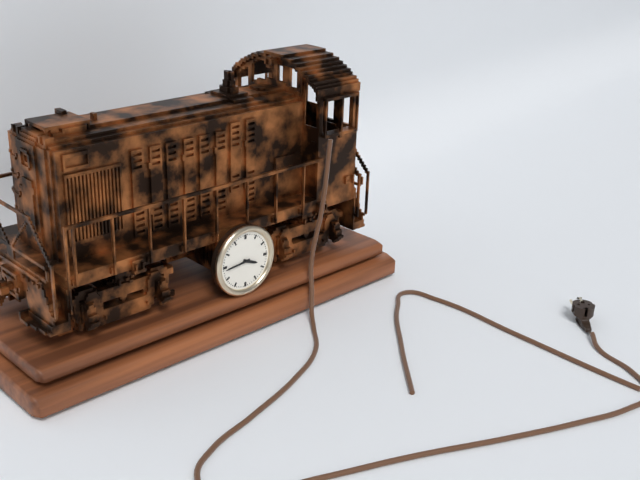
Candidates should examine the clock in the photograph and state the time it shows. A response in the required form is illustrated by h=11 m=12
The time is h=3 m=44
